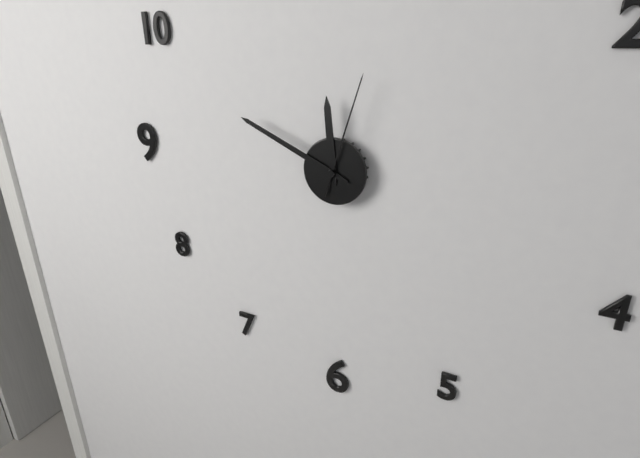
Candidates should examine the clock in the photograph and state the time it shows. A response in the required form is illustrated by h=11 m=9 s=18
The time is h=11 m=49 s=3
